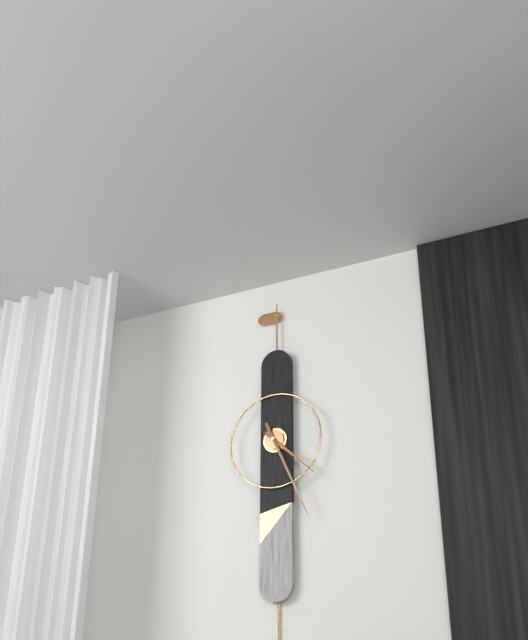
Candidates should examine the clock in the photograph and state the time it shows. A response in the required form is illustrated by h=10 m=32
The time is h=4 m=26
